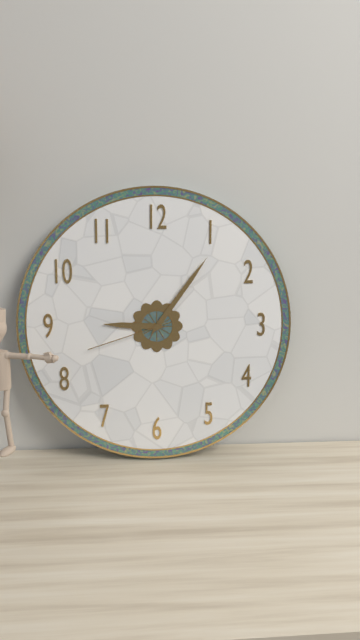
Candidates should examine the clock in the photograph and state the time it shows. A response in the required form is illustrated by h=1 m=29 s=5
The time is h=9 m=6 s=42
